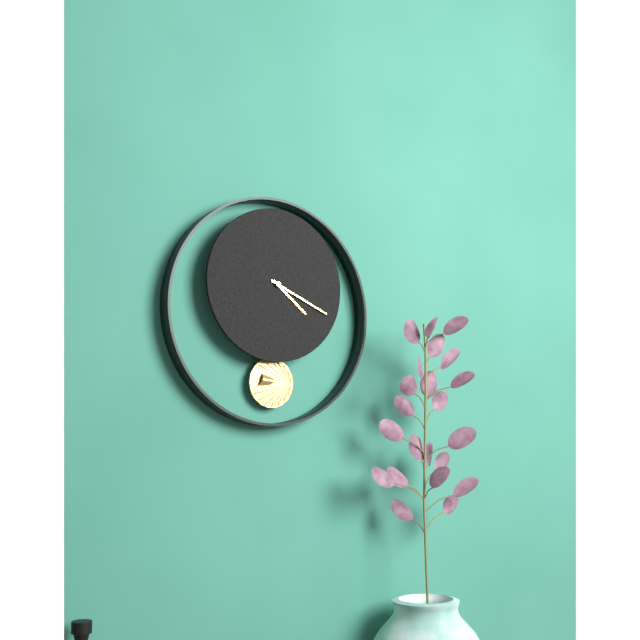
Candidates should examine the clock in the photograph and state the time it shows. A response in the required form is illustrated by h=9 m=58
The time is h=4 m=19
